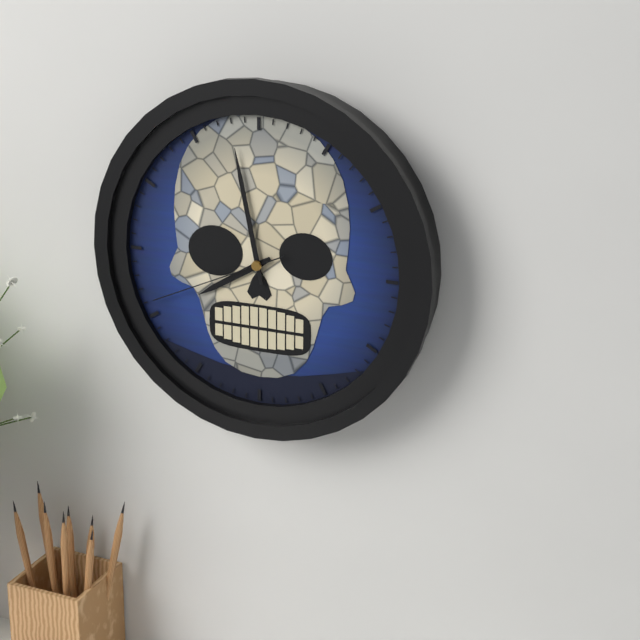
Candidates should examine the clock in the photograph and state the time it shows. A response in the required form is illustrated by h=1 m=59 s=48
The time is h=7 m=58 s=41
